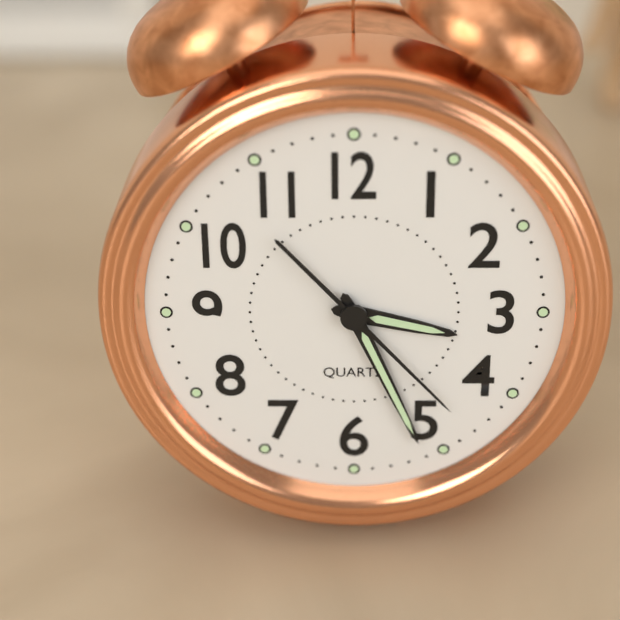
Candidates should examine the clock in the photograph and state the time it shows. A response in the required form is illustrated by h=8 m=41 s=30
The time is h=3 m=26 s=23
